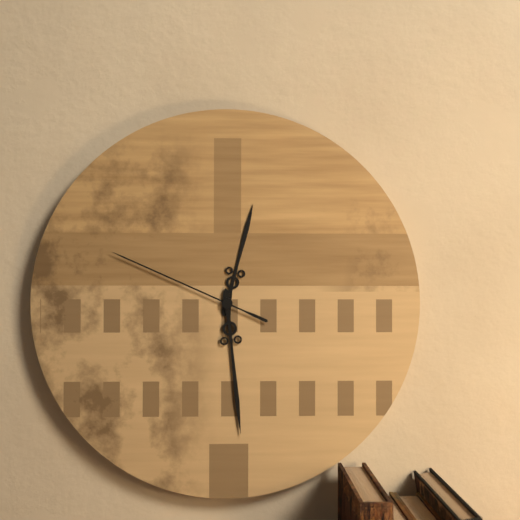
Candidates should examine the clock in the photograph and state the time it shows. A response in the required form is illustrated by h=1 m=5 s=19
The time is h=12 m=29 s=49
